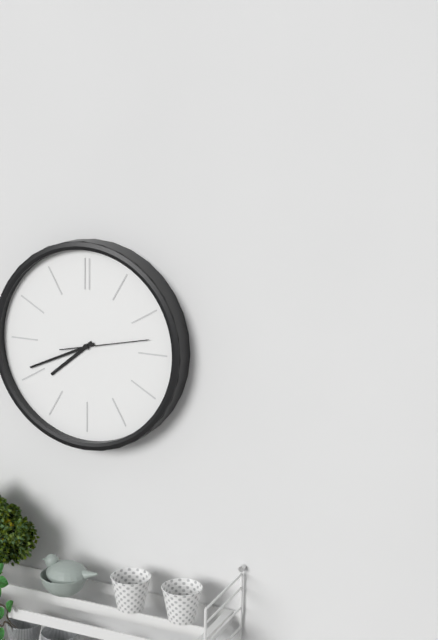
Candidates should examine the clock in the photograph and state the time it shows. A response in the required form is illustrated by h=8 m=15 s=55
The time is h=7 m=41 s=13
